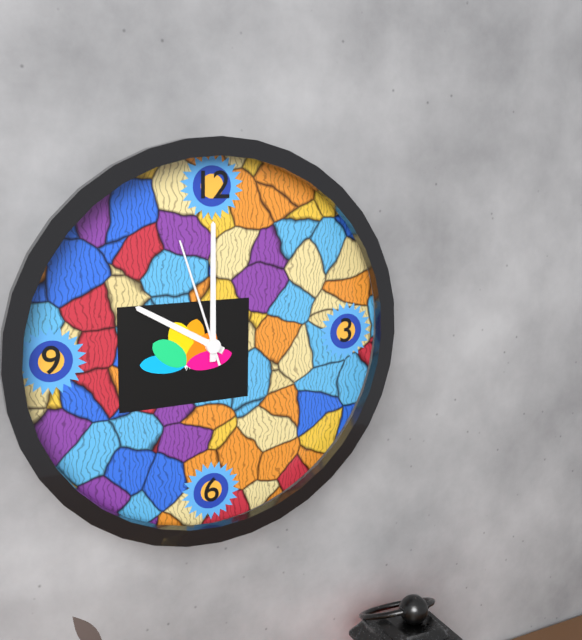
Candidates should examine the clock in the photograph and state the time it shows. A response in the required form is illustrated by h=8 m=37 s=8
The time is h=10 m=0 s=57
